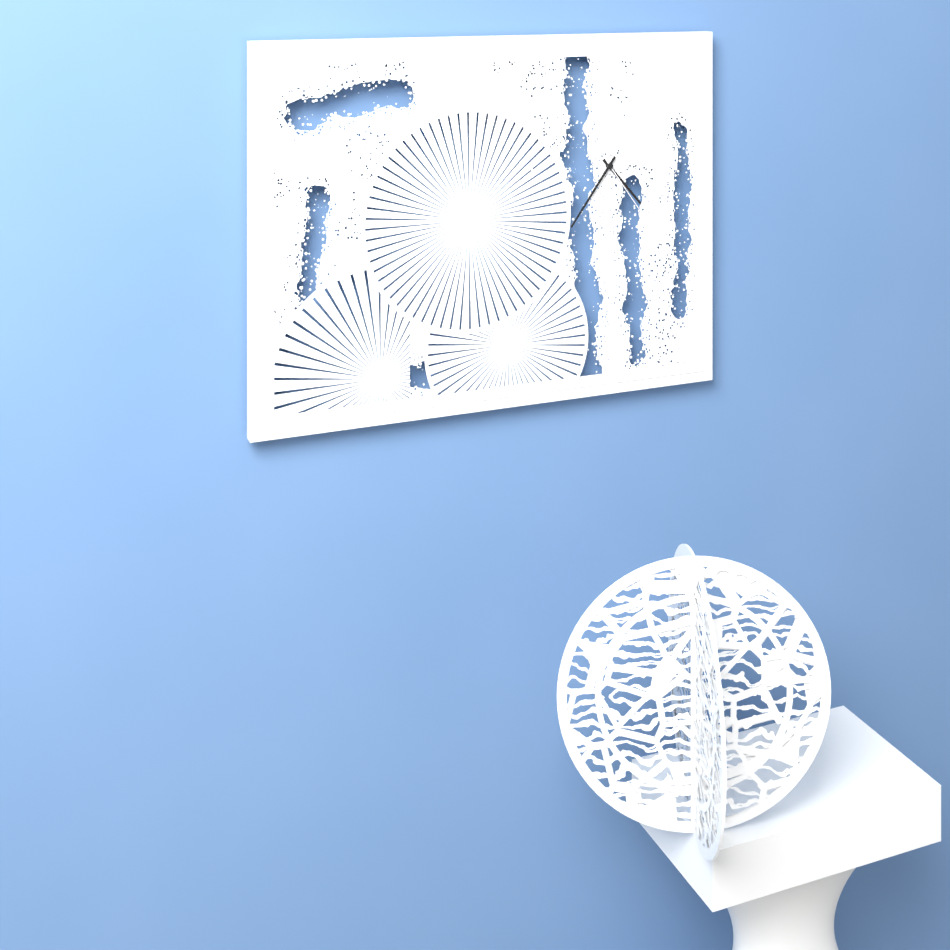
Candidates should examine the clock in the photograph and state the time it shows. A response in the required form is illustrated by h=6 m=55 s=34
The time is h=4 m=36 s=24
